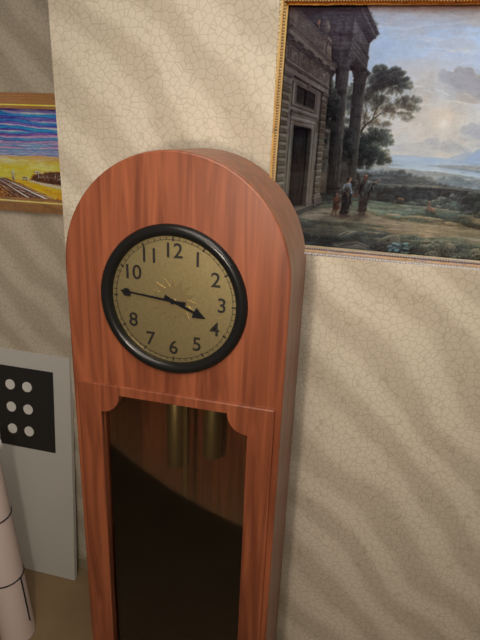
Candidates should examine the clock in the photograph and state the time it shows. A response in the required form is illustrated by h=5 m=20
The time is h=3 m=46
